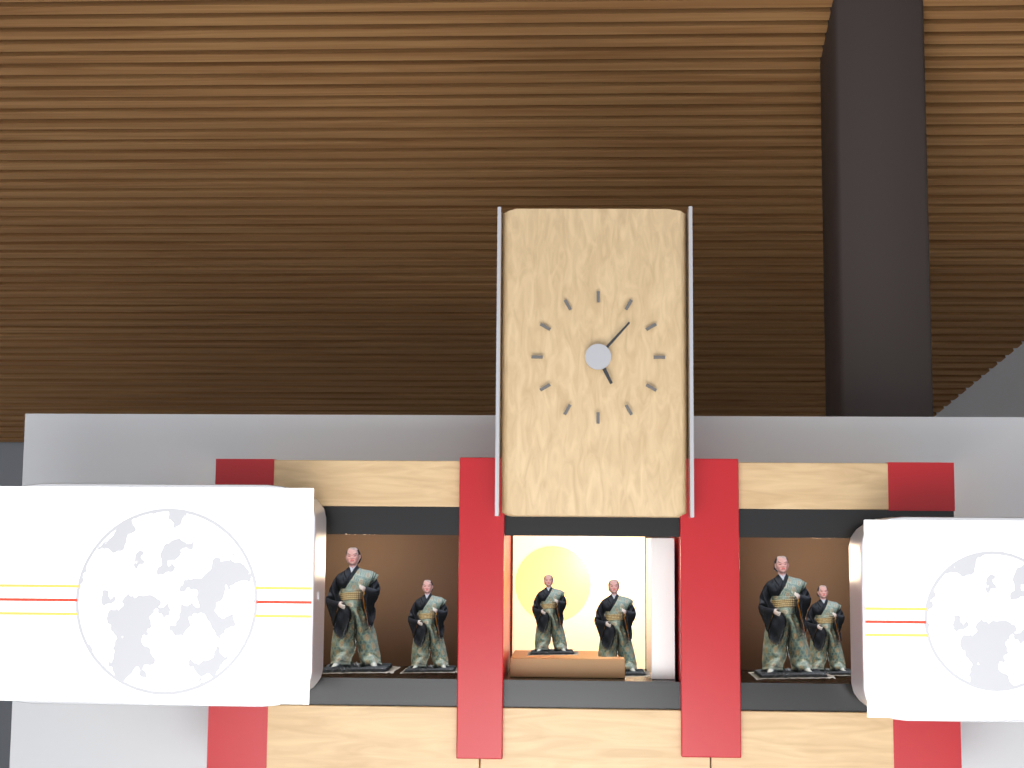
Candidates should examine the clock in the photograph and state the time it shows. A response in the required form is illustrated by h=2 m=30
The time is h=5 m=7
